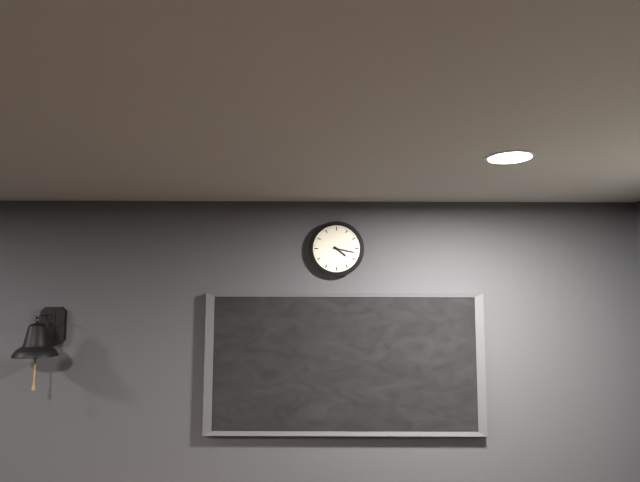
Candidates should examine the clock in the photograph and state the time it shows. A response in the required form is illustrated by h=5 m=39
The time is h=4 m=17
